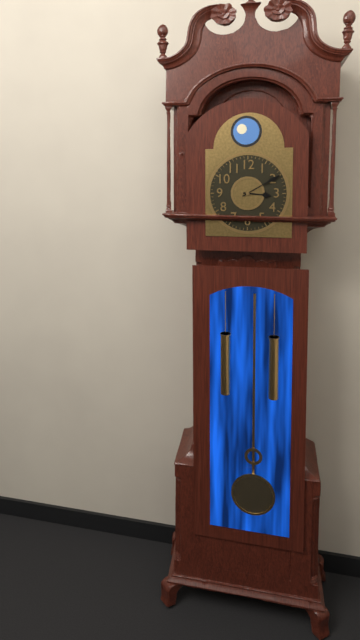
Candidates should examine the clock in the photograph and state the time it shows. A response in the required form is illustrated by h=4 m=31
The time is h=3 m=10
